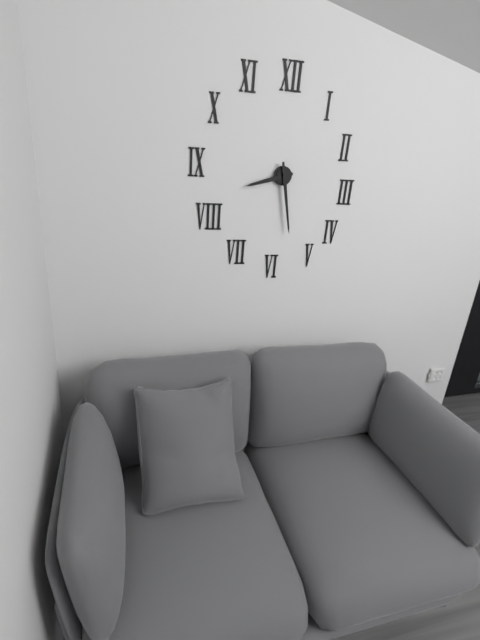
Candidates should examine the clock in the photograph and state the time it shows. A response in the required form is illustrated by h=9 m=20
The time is h=8 m=28
